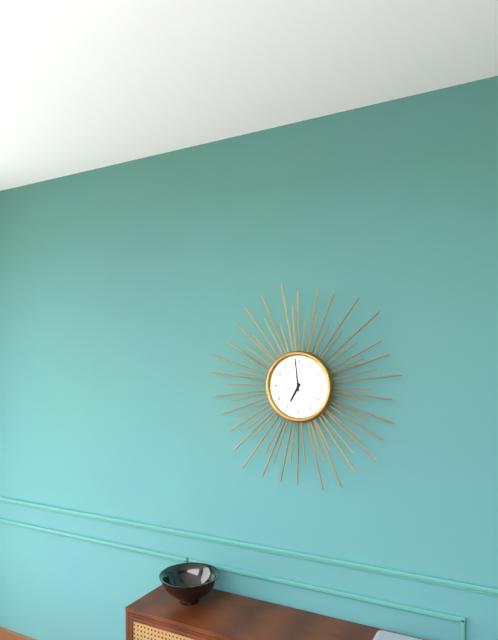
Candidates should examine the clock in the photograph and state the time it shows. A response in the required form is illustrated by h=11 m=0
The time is h=6 m=59
